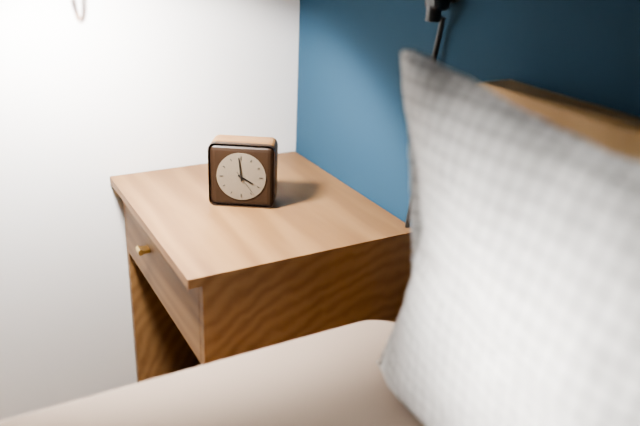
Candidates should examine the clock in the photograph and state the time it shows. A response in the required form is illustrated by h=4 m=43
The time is h=3 m=59
